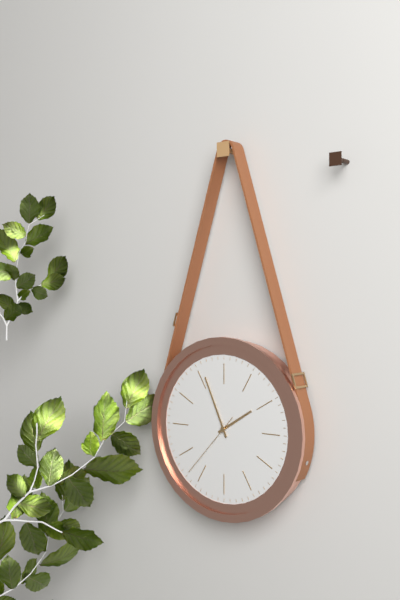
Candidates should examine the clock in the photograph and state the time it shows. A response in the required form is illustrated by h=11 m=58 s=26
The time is h=1 m=56 s=37
